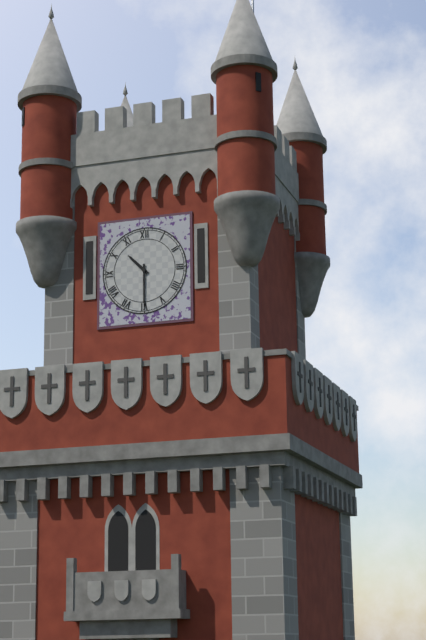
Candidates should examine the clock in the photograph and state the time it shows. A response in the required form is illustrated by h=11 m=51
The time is h=10 m=30
